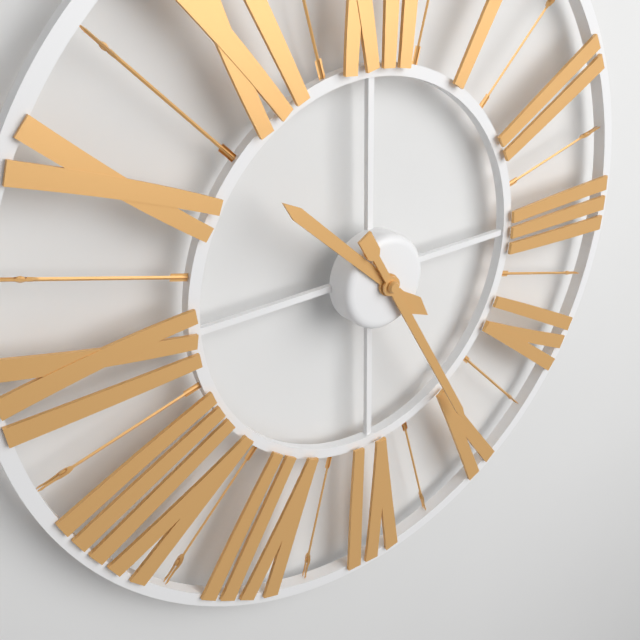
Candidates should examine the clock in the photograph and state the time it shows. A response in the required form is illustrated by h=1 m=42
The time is h=10 m=25
